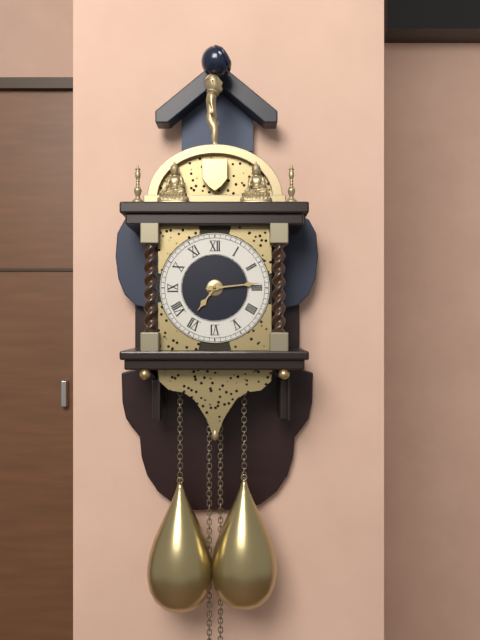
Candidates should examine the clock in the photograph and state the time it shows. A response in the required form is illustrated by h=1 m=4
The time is h=7 m=14
